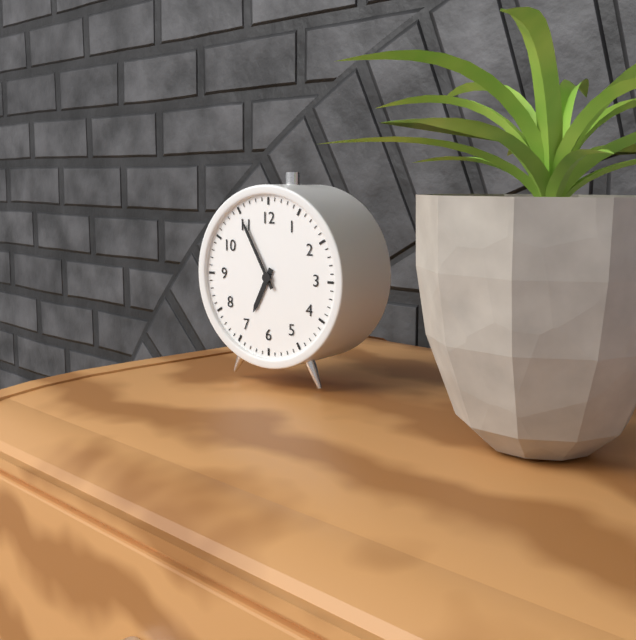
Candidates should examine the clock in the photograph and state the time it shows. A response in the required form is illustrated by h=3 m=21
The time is h=6 m=55
